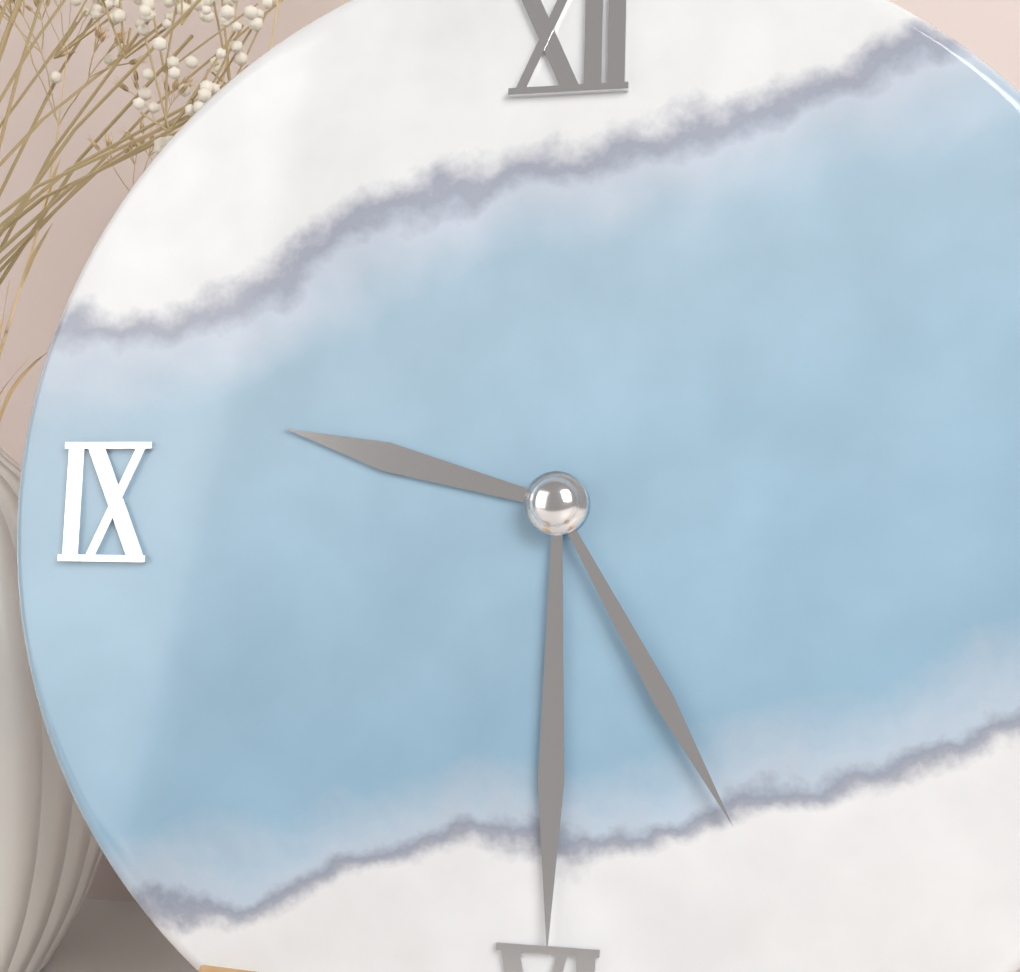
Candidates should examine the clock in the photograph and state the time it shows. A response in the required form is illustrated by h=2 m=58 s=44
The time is h=9 m=30 s=25
